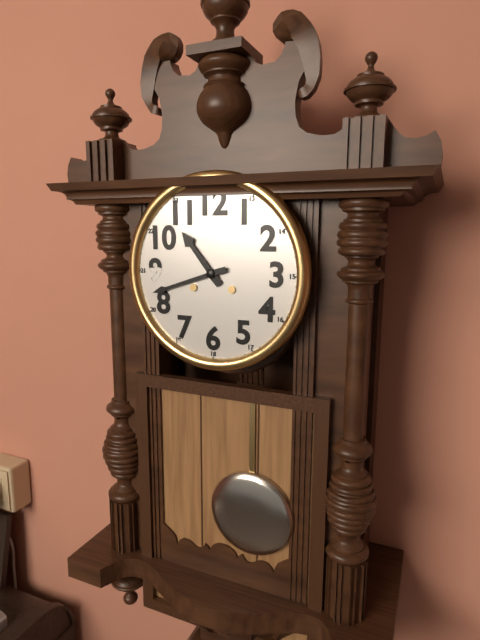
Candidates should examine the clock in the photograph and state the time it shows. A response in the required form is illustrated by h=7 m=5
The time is h=10 m=42
